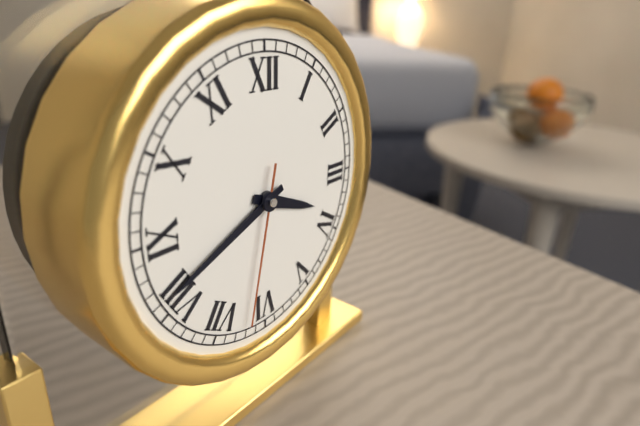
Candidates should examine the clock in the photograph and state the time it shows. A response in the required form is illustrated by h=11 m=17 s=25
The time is h=3 m=41 s=32
